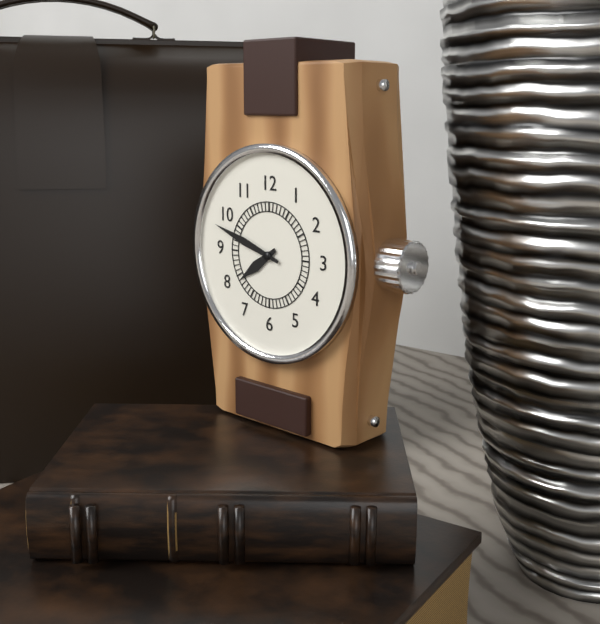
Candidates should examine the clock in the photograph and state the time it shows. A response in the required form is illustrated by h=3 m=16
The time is h=7 m=48
